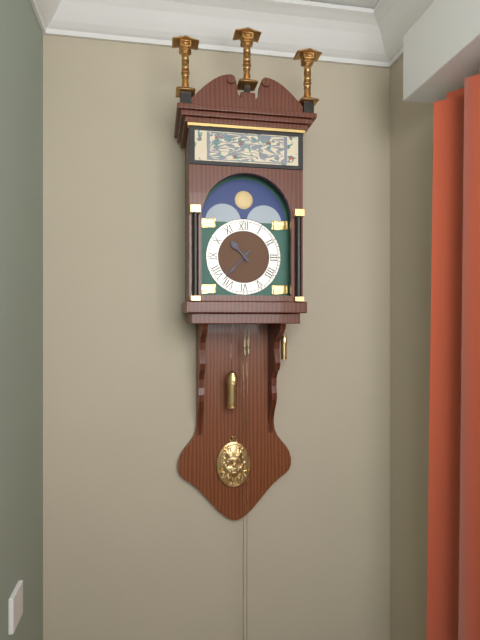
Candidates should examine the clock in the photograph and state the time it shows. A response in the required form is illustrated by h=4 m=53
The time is h=10 m=37
